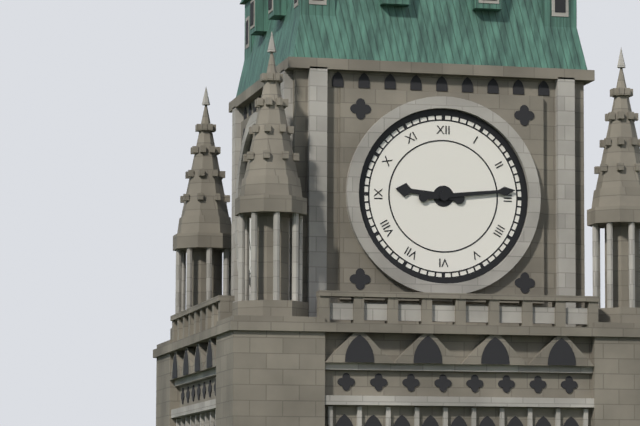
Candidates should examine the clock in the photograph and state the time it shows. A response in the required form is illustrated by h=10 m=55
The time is h=9 m=14
